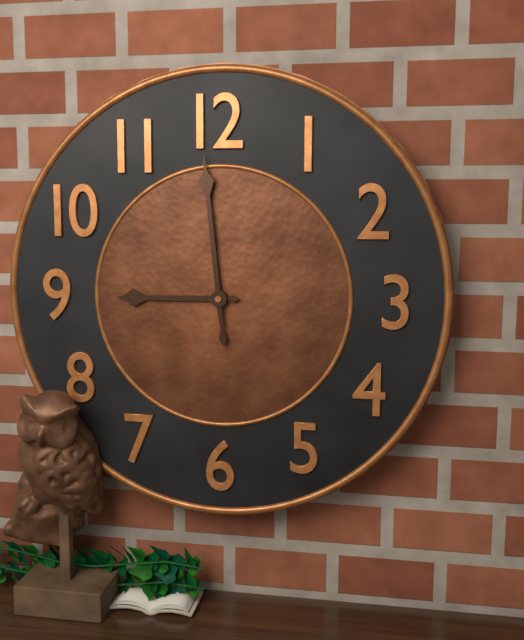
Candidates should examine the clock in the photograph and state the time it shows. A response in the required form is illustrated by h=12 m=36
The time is h=8 m=59
